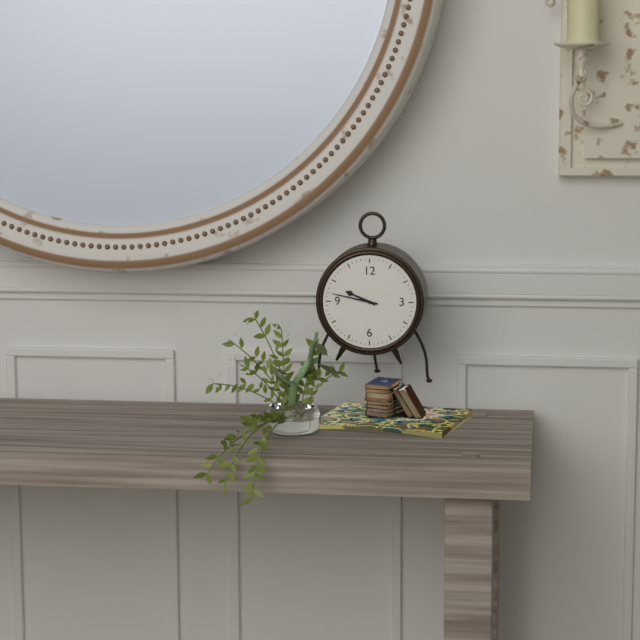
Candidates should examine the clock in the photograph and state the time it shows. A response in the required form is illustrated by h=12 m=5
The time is h=9 m=47
